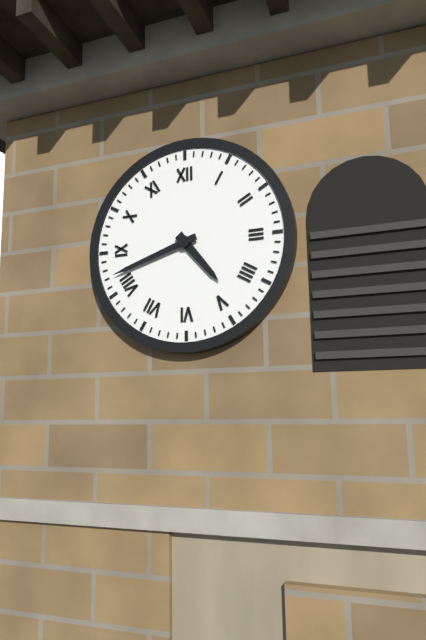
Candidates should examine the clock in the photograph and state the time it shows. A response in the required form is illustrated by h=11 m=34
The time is h=4 m=42
